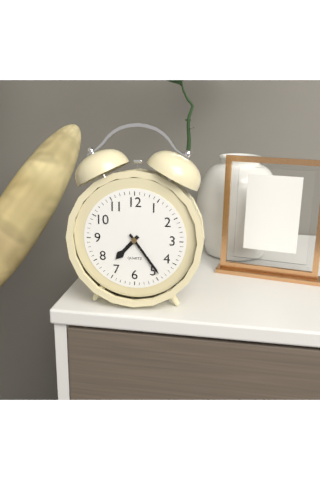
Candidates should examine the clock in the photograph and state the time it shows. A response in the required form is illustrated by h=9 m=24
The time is h=7 m=24
